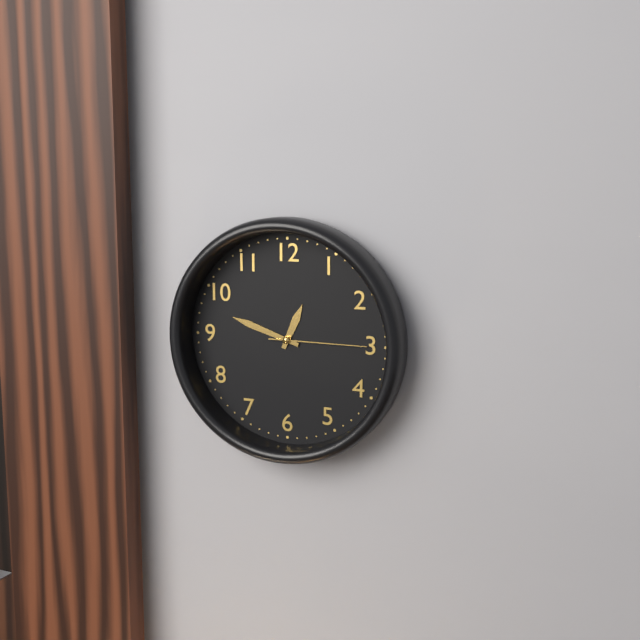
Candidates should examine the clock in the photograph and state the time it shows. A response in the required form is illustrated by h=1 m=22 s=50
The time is h=12 m=48 s=15
